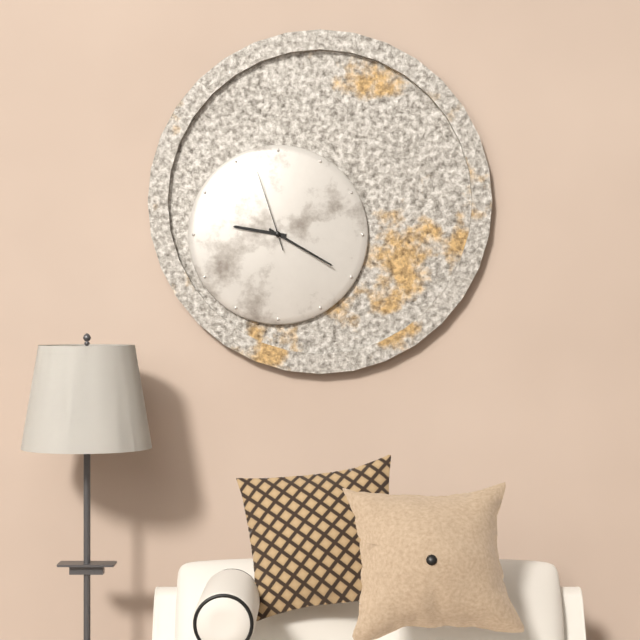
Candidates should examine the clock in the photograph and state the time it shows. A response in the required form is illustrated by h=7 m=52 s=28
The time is h=9 m=20 s=57
